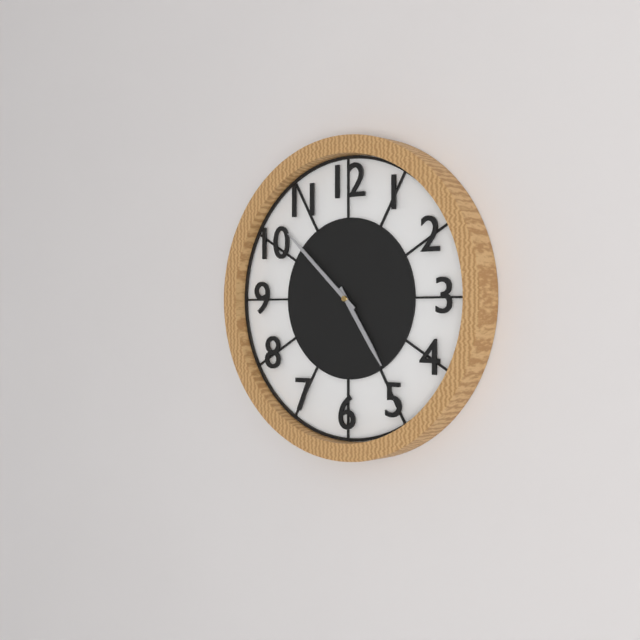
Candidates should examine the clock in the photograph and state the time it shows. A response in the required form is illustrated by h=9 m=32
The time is h=4 m=52
